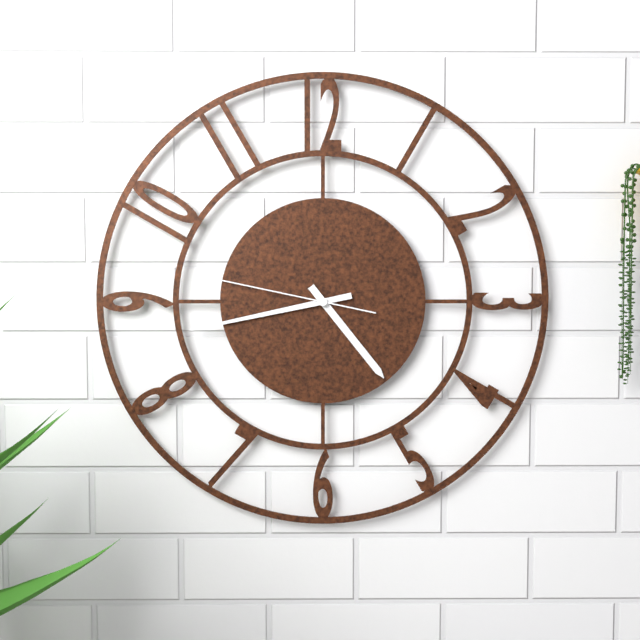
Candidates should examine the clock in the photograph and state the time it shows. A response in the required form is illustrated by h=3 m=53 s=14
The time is h=4 m=43 s=47
